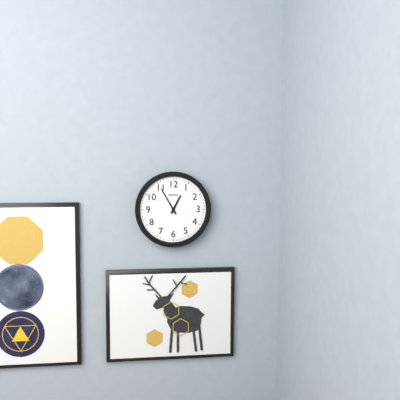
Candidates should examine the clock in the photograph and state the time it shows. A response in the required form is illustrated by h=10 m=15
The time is h=12 m=55
